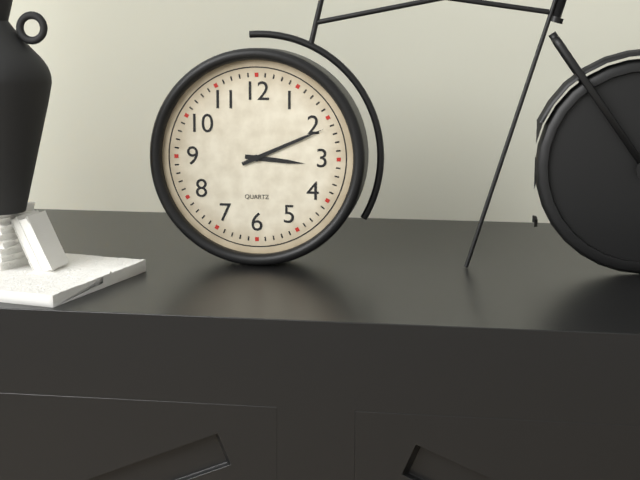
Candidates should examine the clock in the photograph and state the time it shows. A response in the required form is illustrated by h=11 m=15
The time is h=3 m=11
